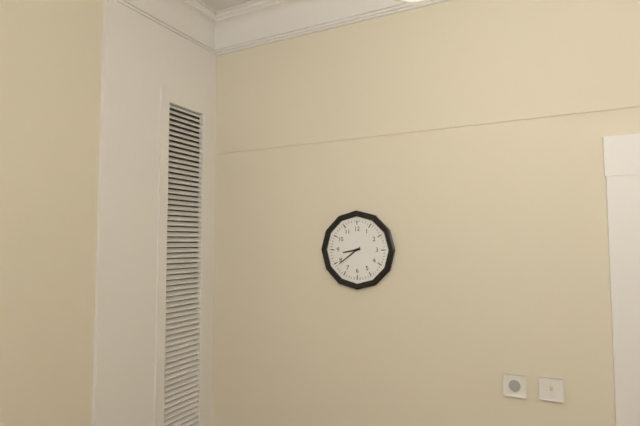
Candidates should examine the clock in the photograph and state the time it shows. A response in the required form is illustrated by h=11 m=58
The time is h=8 m=39
